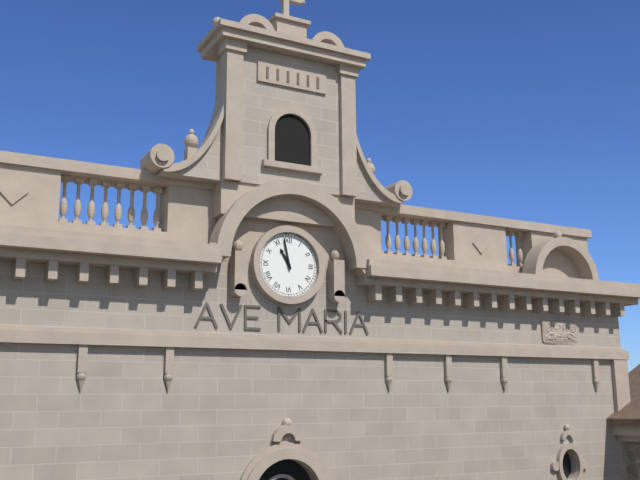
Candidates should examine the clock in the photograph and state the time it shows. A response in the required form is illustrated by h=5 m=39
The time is h=10 m=58
